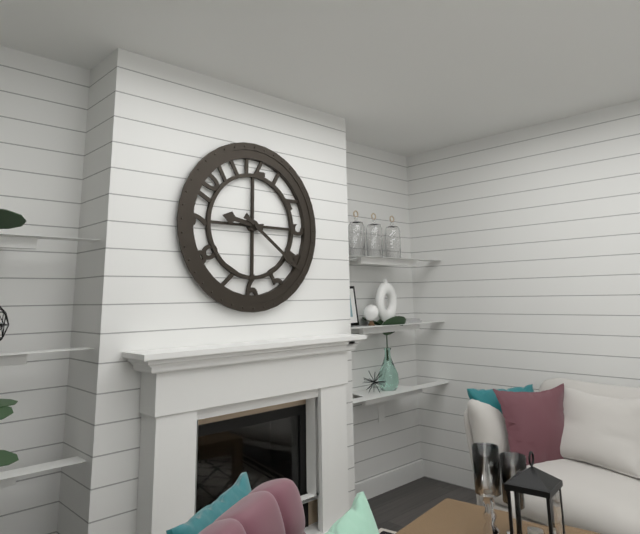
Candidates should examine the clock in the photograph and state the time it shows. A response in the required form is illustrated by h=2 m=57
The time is h=9 m=21
